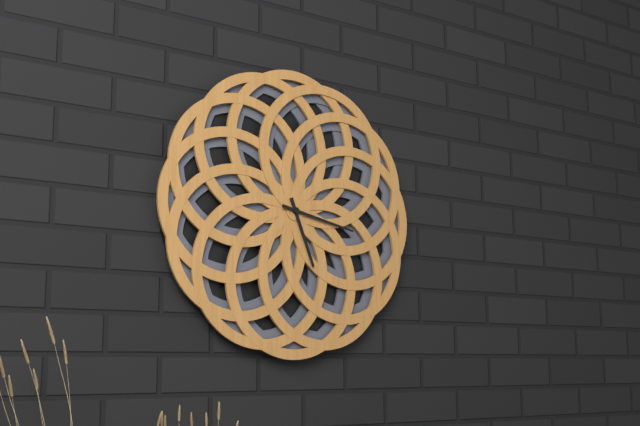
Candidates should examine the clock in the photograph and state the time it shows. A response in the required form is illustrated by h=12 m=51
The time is h=5 m=17
